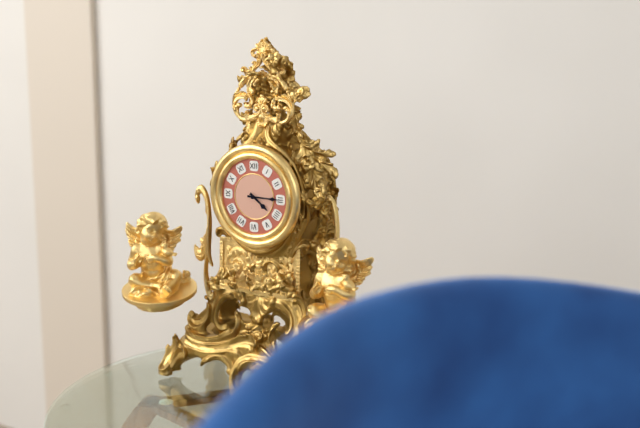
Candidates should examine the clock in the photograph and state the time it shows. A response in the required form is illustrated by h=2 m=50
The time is h=4 m=15
